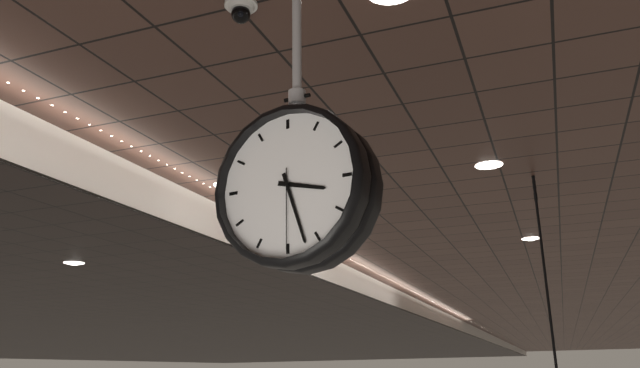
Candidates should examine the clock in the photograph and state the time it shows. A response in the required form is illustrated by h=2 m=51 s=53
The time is h=3 m=27 s=30
